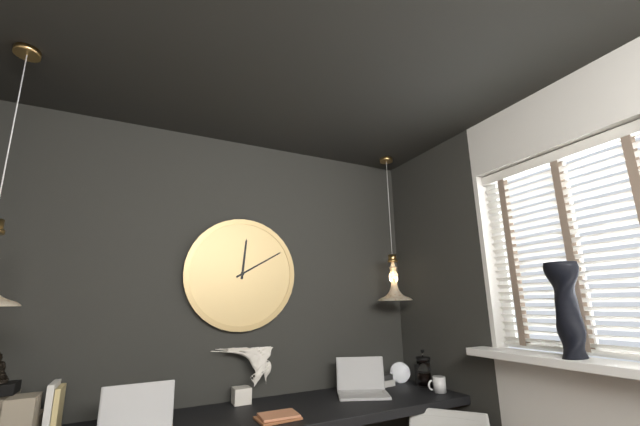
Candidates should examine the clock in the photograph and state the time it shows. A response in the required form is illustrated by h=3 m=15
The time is h=12 m=10
